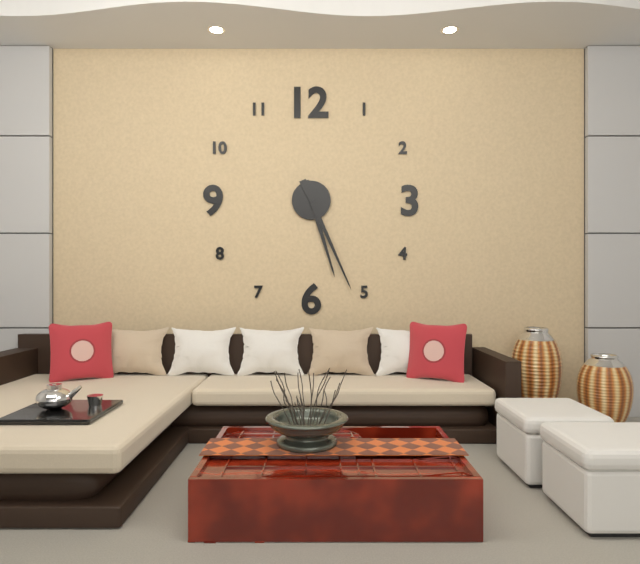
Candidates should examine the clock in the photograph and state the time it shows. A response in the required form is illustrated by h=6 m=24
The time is h=5 m=26
